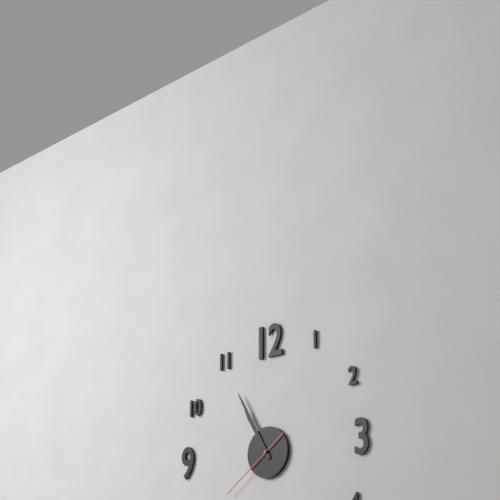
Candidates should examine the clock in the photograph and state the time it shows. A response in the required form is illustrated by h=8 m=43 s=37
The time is h=10 m=55 s=39
